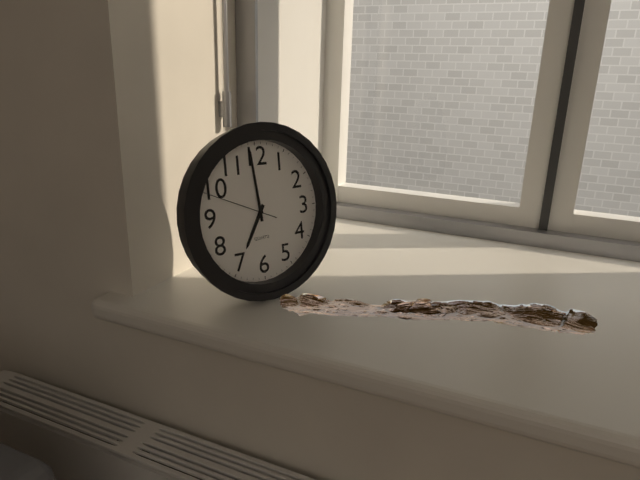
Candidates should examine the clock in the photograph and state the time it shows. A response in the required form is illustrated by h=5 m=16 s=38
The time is h=6 m=59 s=49
